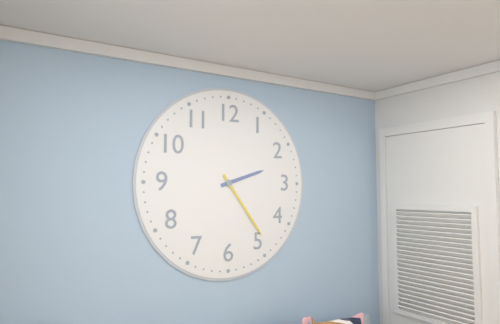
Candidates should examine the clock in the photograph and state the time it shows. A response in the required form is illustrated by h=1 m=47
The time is h=2 m=24
